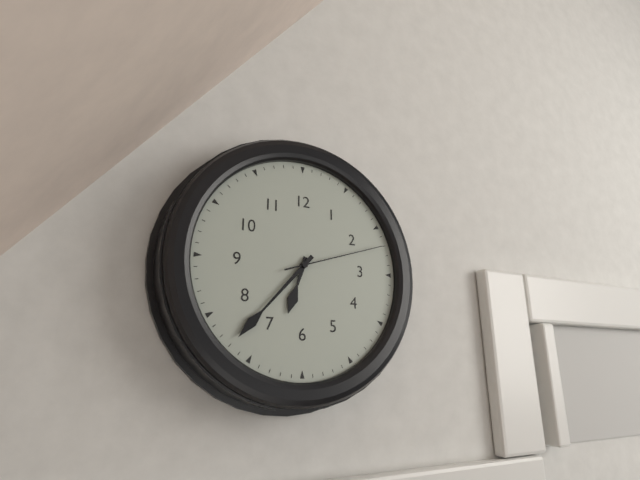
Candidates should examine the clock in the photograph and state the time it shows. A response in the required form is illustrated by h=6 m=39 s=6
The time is h=6 m=37 s=12
